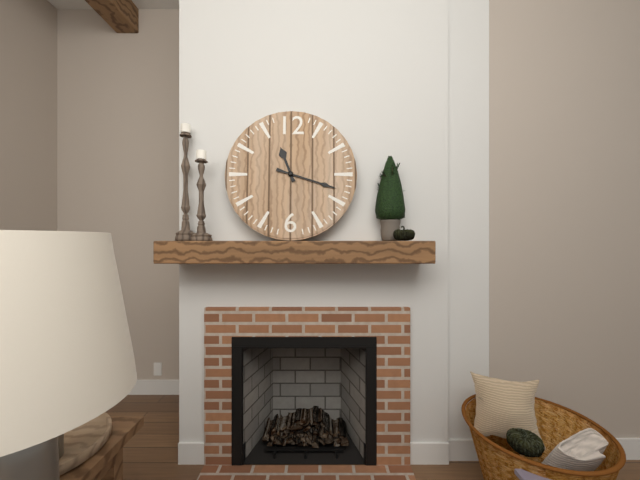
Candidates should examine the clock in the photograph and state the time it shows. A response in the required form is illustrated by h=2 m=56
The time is h=11 m=18
